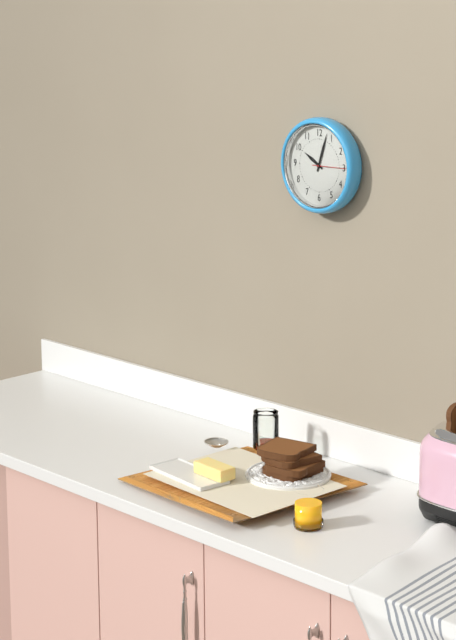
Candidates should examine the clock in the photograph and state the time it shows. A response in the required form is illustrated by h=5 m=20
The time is h=10 m=3
